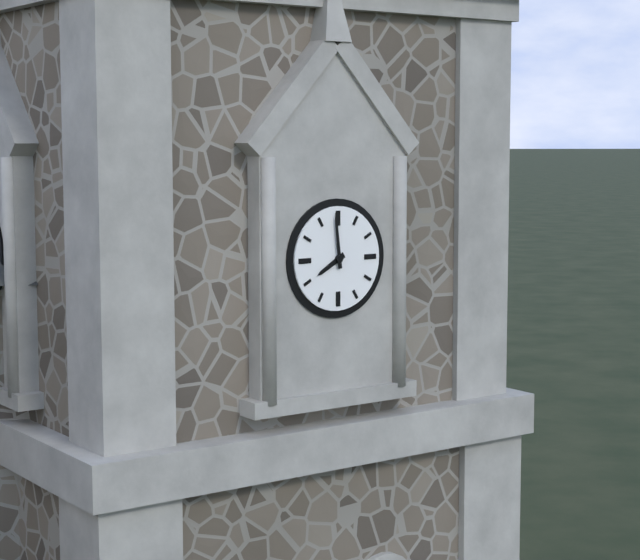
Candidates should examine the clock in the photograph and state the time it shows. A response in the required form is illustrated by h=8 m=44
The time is h=7 m=59
